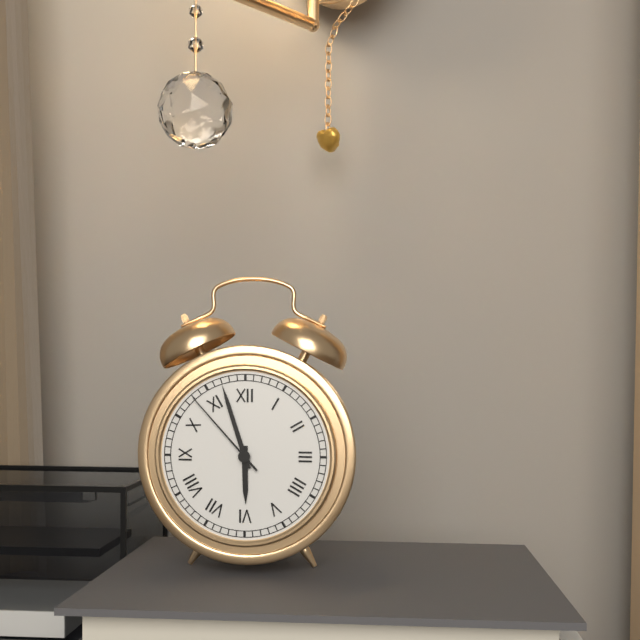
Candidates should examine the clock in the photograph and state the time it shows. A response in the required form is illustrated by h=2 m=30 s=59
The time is h=5 m=57 s=53
